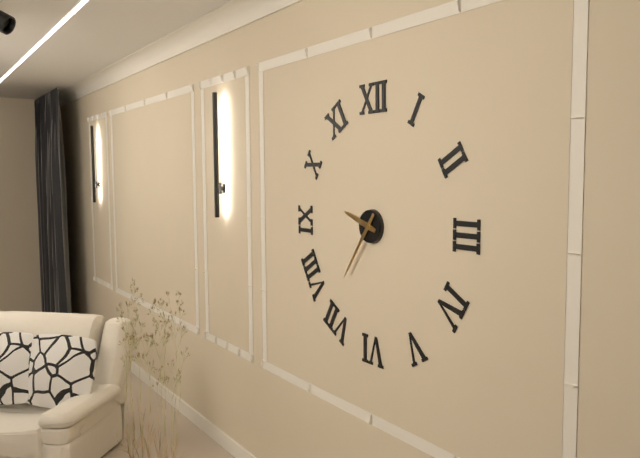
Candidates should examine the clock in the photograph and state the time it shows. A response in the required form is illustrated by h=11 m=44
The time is h=9 m=36
